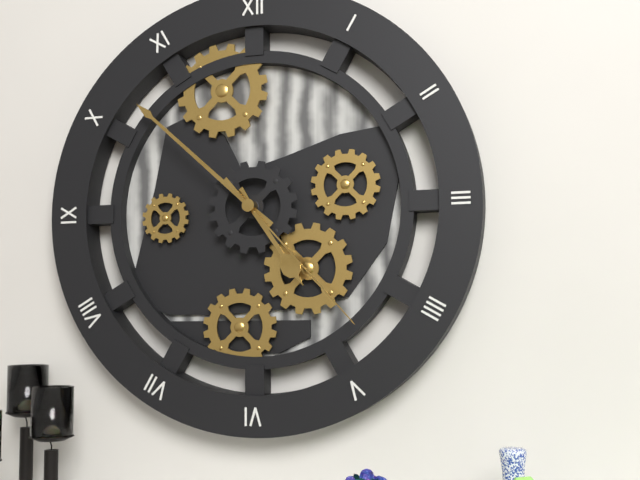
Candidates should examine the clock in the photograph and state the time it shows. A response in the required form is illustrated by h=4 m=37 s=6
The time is h=4 m=52 s=23
